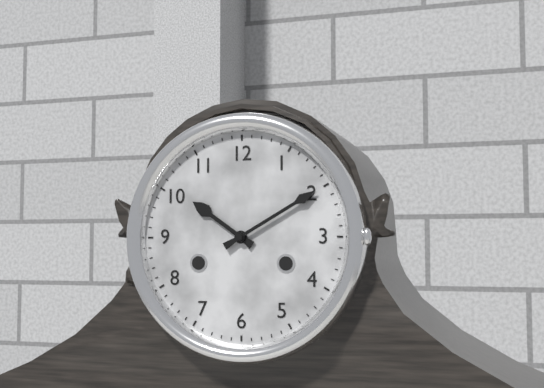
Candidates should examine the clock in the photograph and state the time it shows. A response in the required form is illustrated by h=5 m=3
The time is h=10 m=10
